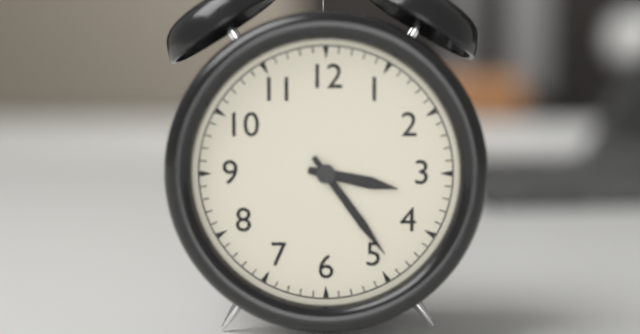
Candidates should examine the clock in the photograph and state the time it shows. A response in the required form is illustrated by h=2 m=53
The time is h=3 m=24
